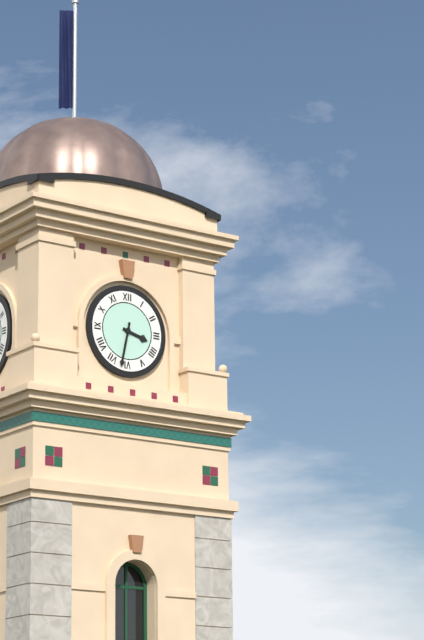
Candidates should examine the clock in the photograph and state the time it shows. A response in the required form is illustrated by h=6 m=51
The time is h=3 m=32
